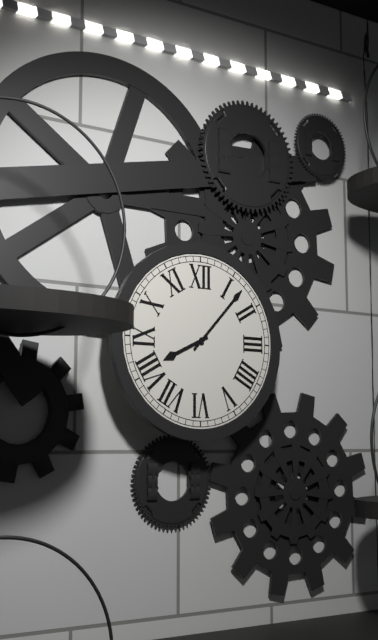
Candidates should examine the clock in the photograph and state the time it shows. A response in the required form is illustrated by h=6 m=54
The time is h=8 m=7
